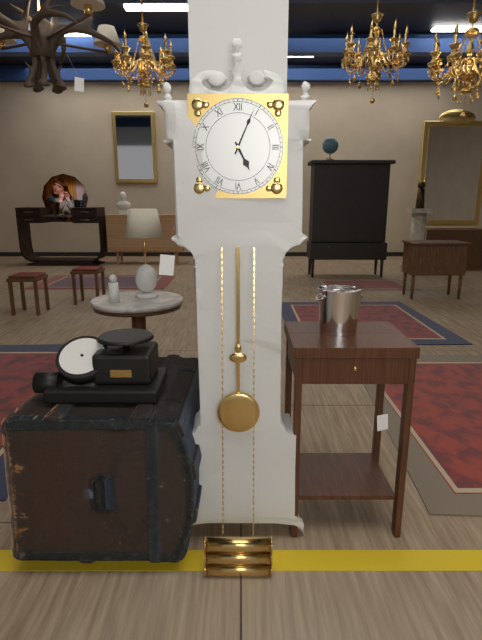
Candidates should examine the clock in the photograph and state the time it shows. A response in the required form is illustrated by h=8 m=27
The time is h=5 m=4
